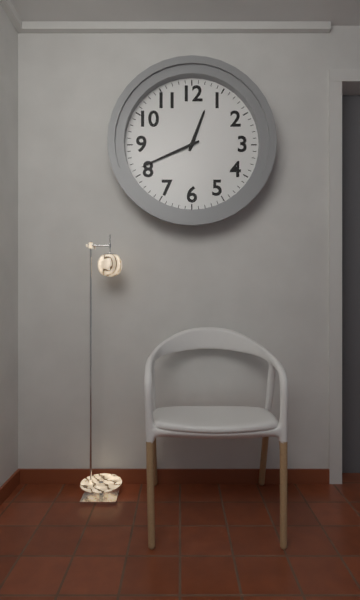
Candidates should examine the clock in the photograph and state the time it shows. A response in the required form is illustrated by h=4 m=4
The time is h=12 m=41
